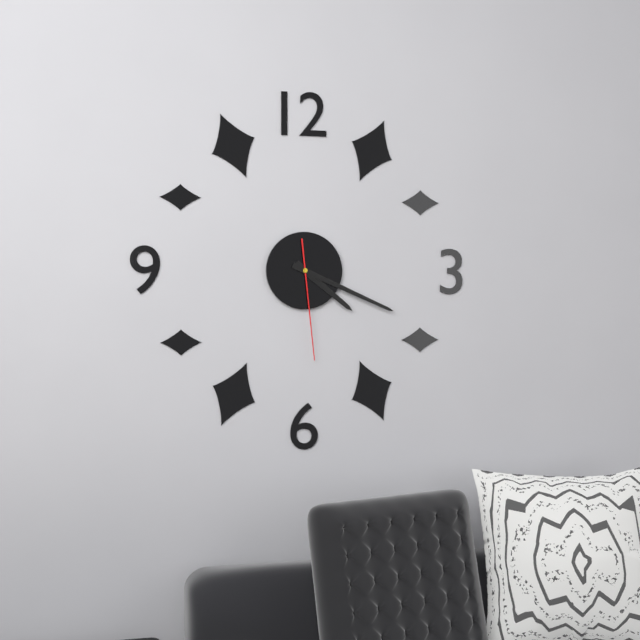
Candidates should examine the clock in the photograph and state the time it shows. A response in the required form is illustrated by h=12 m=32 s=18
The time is h=4 m=19 s=29
